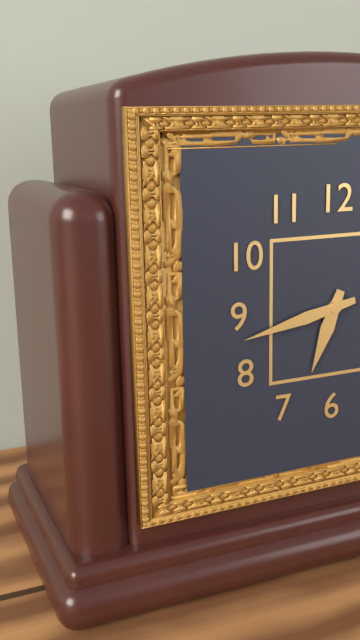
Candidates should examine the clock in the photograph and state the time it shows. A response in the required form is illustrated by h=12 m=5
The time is h=6 m=43
